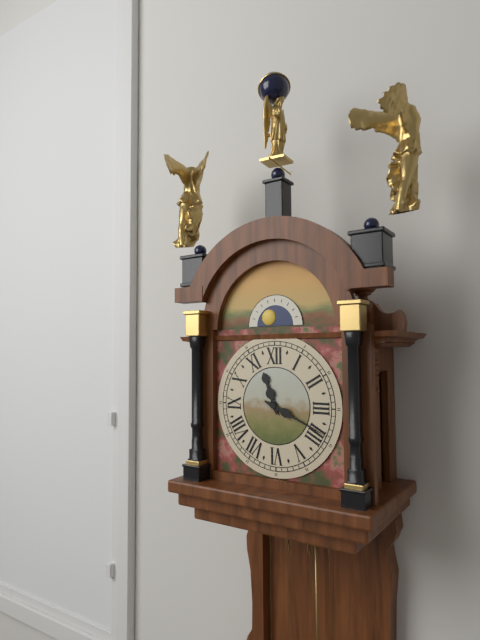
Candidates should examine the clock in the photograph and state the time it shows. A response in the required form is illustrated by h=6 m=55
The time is h=11 m=19
